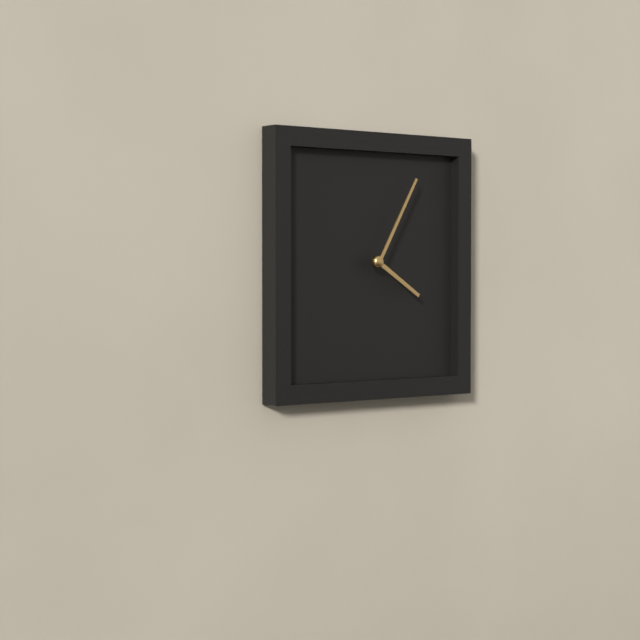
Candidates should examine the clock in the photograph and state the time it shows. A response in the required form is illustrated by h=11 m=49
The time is h=4 m=5
